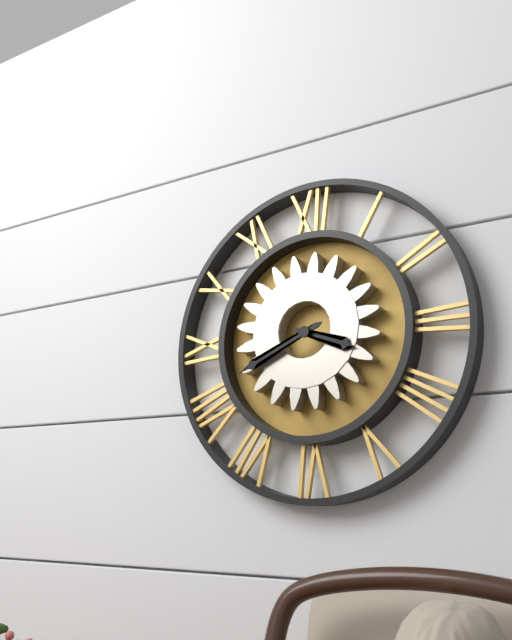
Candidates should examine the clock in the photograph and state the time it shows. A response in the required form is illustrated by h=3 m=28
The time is h=3 m=41
